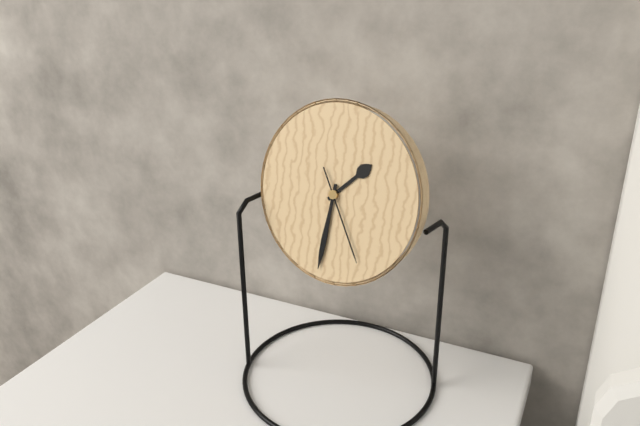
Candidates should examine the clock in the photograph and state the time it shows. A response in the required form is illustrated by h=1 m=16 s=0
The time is h=1 m=31 s=25
